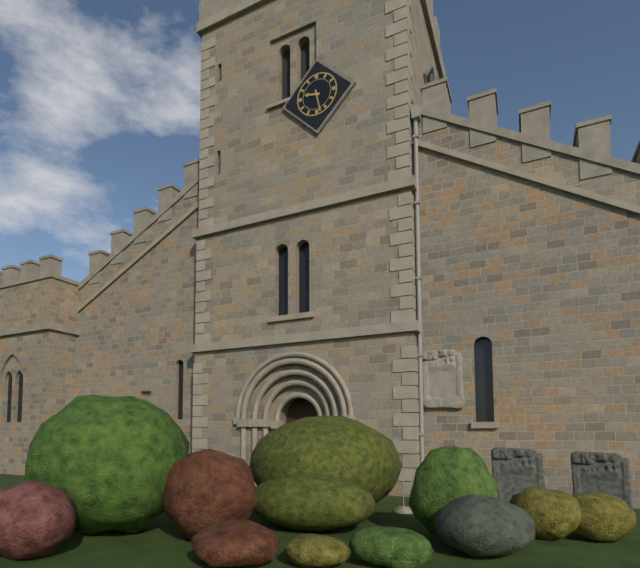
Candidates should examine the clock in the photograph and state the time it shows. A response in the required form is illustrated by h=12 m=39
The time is h=9 m=28
